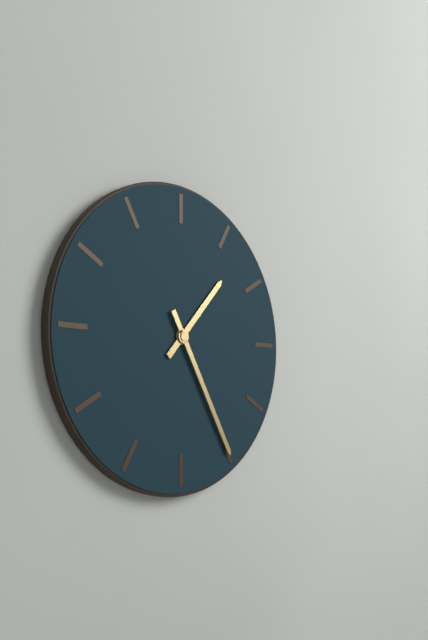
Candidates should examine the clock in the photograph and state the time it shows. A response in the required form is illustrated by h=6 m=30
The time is h=1 m=25
